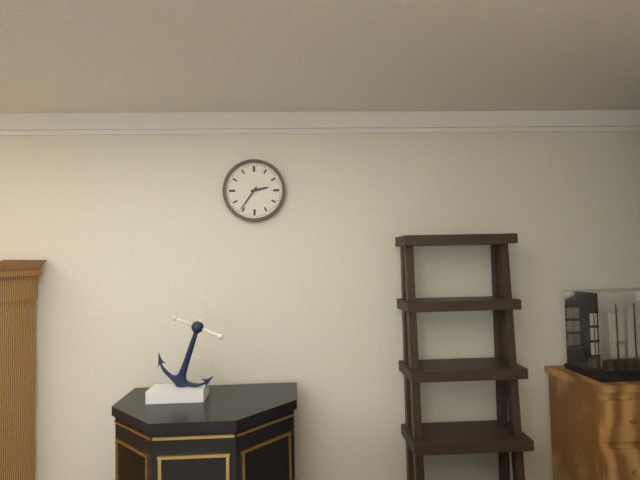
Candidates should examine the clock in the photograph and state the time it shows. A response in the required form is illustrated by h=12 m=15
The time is h=2 m=36
